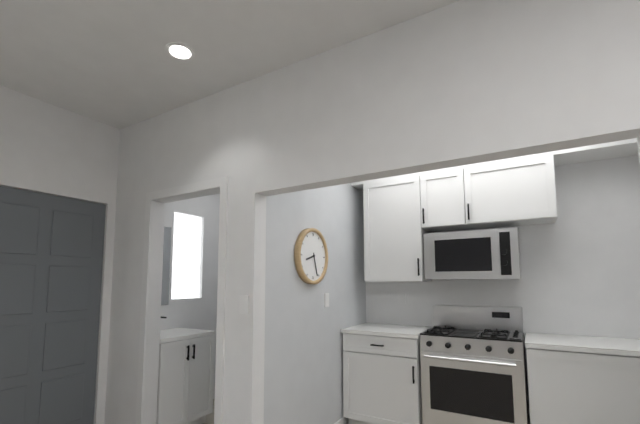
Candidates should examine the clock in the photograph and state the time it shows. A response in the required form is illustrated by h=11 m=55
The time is h=8 m=27
